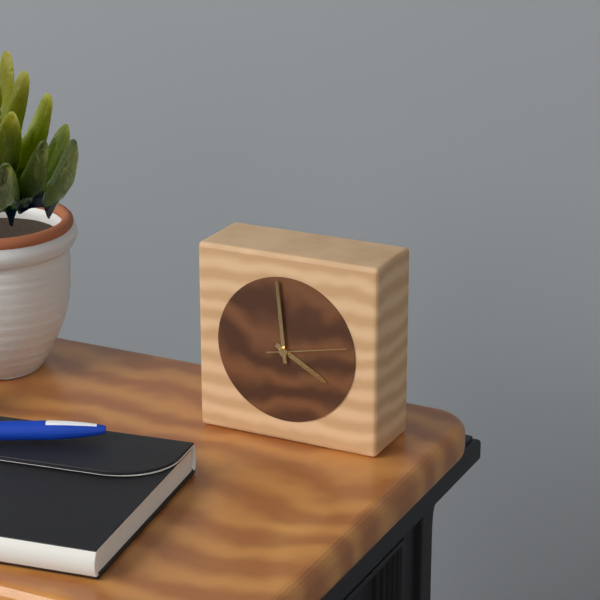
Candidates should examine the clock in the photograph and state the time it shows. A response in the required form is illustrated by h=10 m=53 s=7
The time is h=3 m=59 s=13
